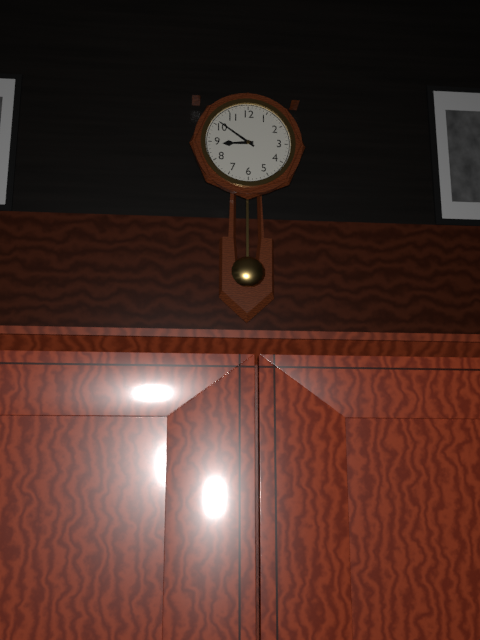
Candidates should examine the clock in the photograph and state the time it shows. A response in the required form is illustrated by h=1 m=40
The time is h=8 m=51
